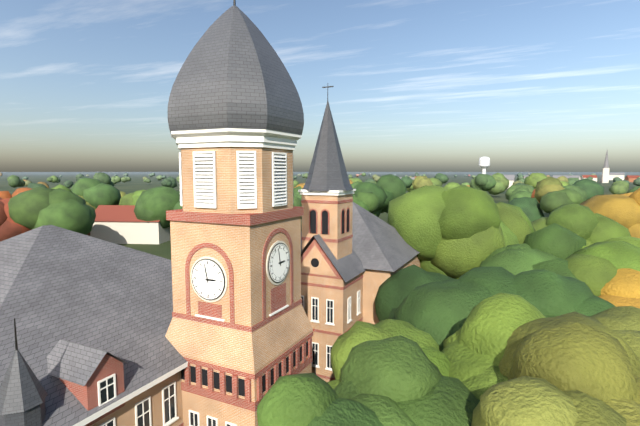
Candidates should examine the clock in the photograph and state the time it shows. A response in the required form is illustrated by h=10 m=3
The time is h=2 m=58
